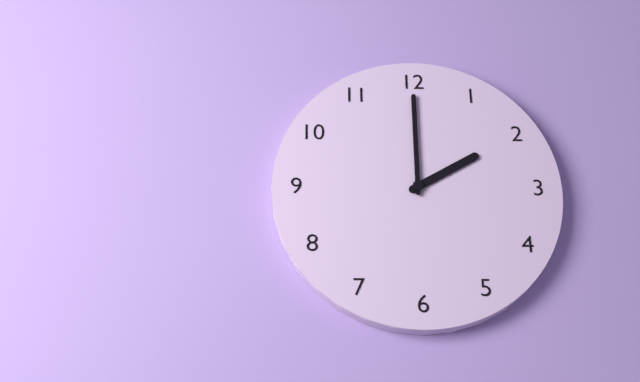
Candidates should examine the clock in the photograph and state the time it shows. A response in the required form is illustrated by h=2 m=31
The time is h=2 m=0
